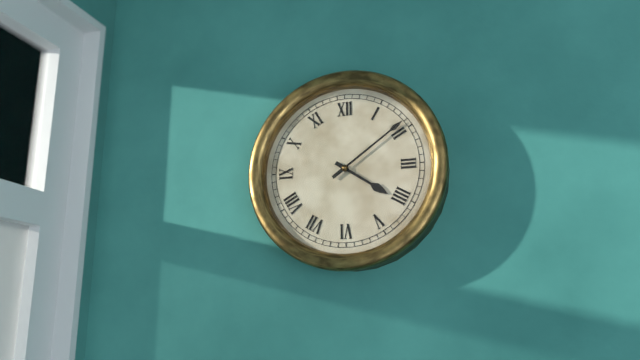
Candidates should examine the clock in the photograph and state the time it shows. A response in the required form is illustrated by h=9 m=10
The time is h=4 m=9
